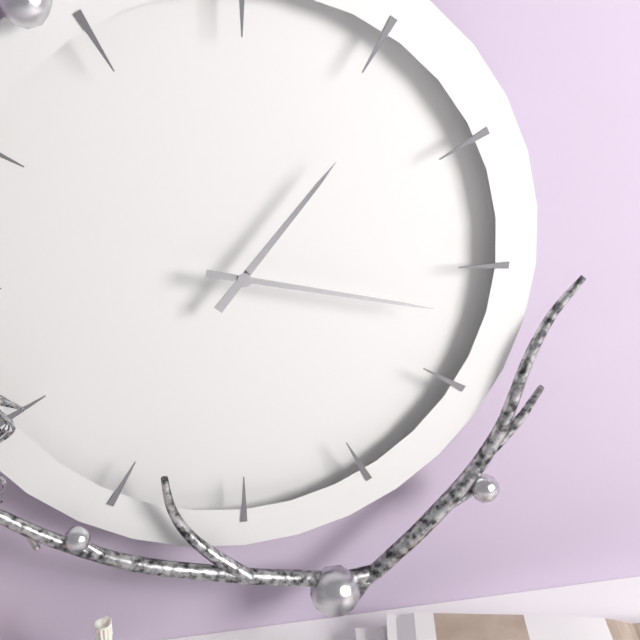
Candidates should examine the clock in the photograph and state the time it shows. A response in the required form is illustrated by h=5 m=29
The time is h=1 m=17
